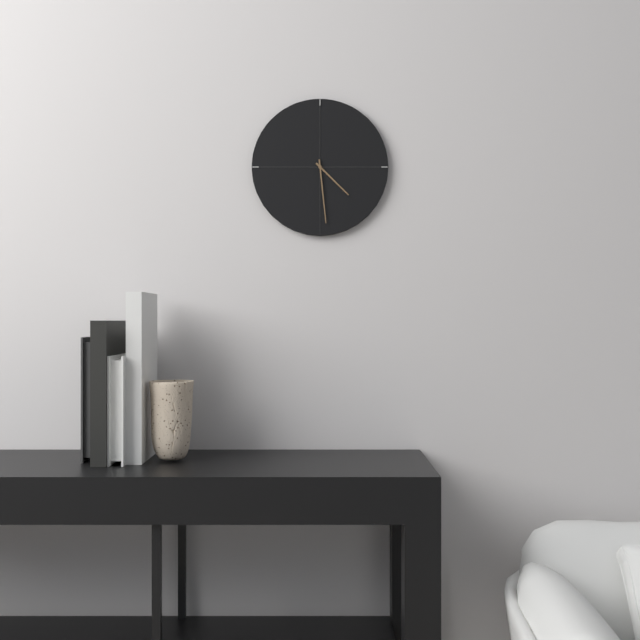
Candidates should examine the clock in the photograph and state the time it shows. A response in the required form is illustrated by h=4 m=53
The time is h=4 m=29
